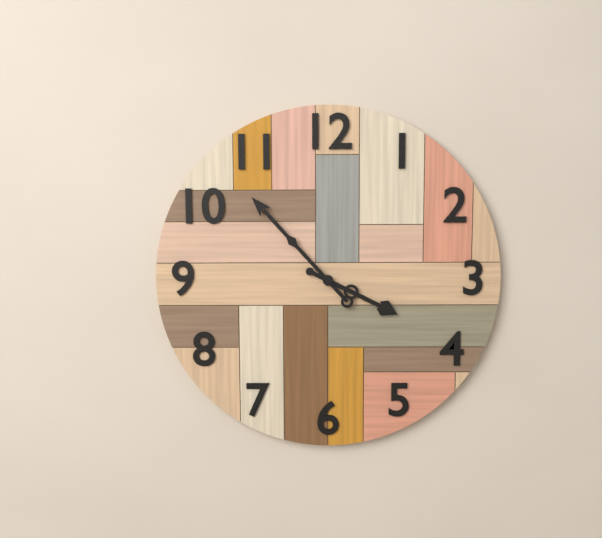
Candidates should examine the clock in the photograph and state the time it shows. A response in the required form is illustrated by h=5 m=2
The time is h=3 m=53
